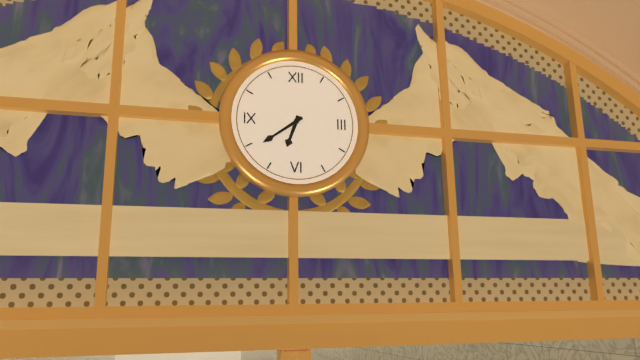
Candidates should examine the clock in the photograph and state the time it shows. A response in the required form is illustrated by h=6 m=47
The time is h=6 m=39
